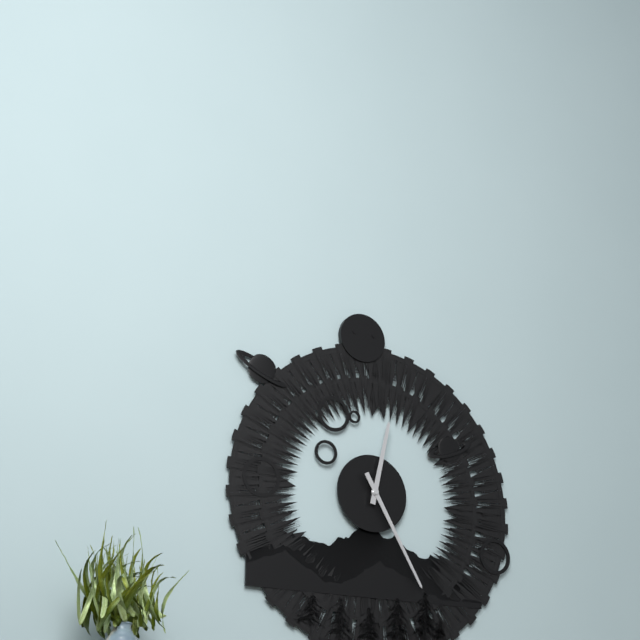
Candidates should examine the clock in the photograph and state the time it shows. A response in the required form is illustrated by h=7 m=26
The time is h=12 m=25
